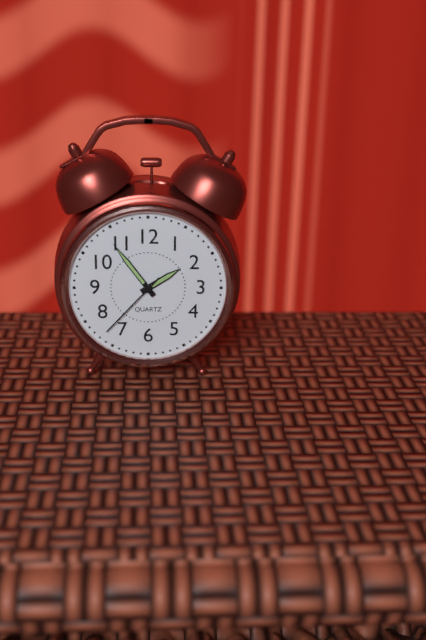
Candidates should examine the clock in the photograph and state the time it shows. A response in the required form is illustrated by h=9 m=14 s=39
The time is h=1 m=54 s=37
